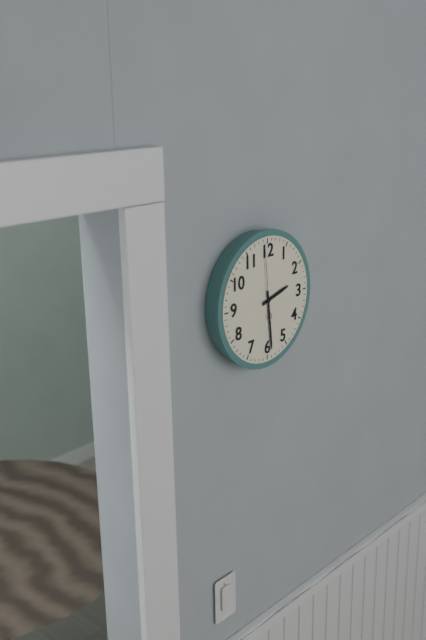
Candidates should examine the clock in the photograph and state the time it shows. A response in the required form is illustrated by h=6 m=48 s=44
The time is h=2 m=29 s=59
